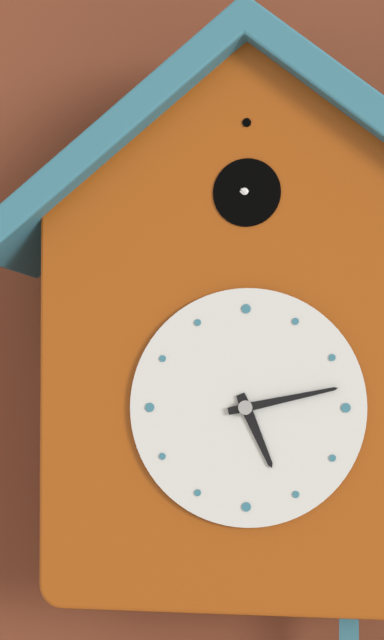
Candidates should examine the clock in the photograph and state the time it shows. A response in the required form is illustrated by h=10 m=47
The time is h=5 m=13
